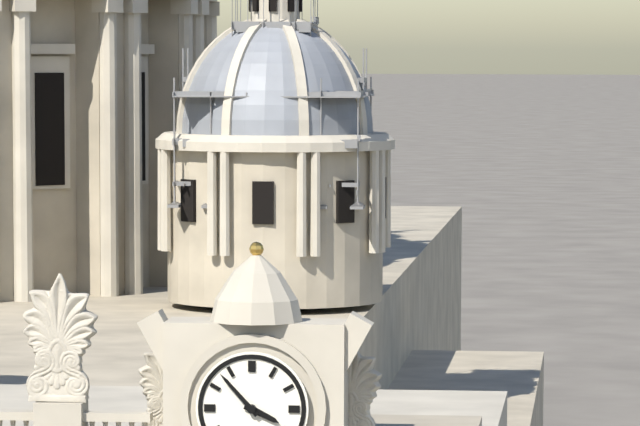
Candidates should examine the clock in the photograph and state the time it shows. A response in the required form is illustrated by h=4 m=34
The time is h=3 m=53
